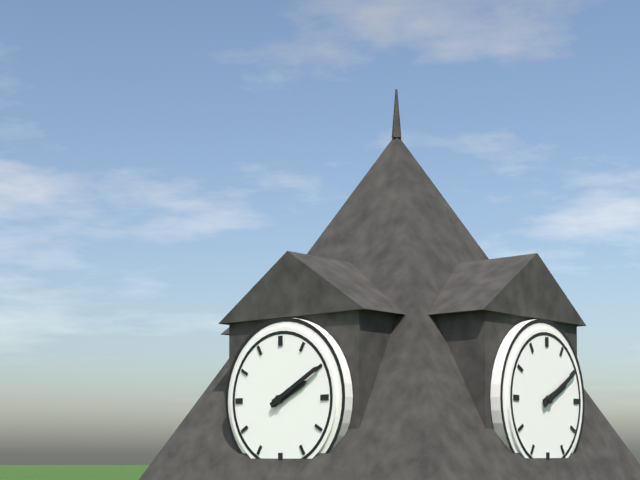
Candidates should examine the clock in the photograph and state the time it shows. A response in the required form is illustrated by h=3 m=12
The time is h=2 m=10
